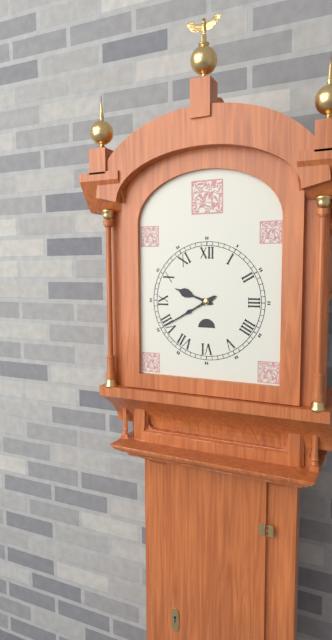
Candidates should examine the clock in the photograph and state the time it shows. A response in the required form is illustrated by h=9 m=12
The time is h=9 m=40
